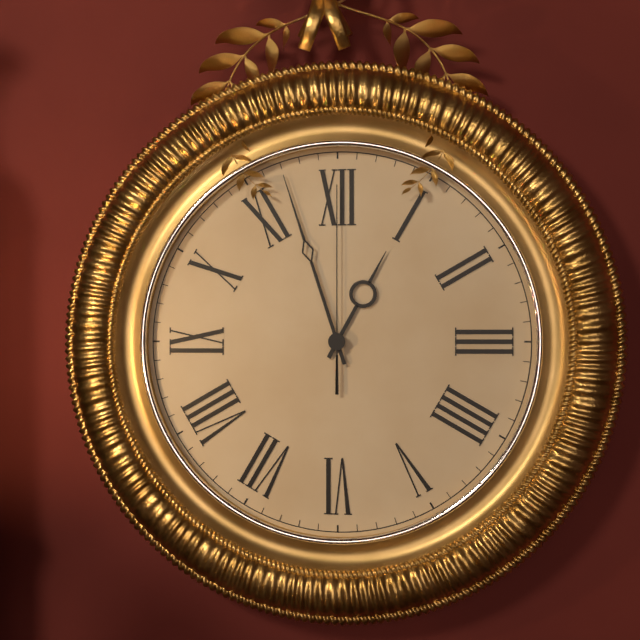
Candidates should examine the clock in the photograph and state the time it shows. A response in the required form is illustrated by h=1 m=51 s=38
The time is h=12 m=57 s=0
